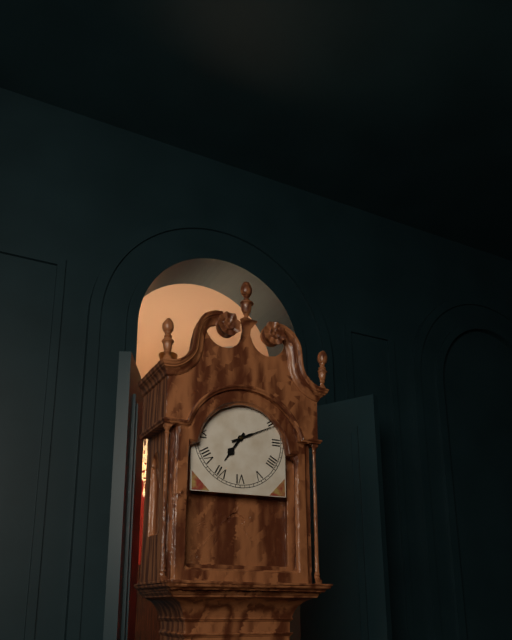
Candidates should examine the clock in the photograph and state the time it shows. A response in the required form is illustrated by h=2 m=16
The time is h=7 m=11
